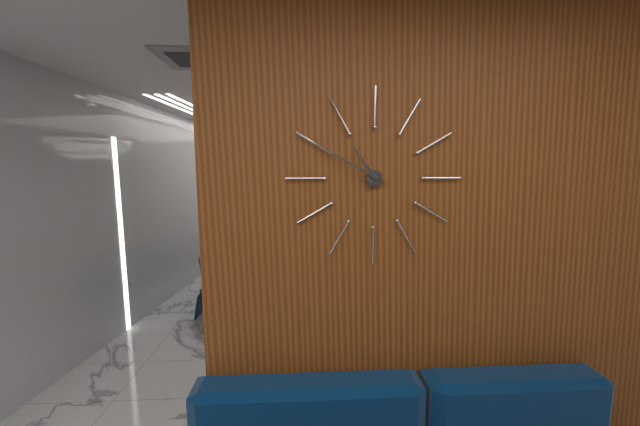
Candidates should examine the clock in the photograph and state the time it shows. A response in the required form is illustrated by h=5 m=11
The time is h=10 m=50
